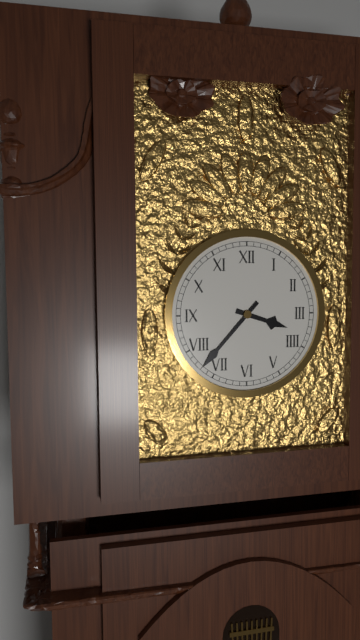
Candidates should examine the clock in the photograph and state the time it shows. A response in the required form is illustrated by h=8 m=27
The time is h=3 m=37
